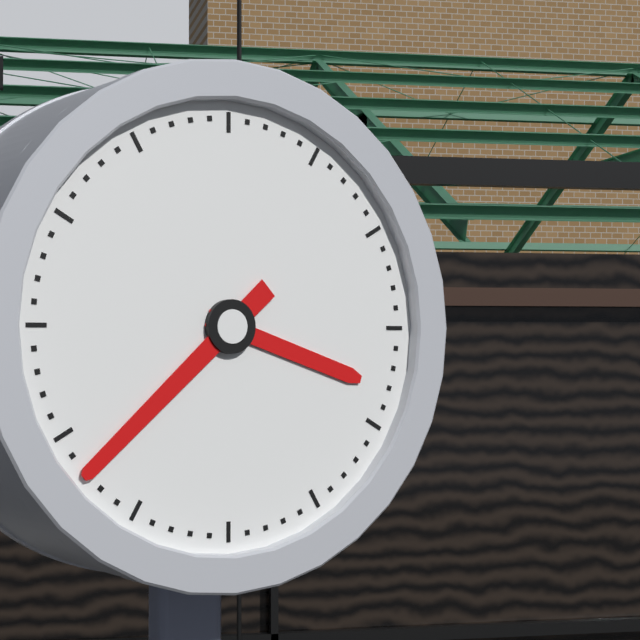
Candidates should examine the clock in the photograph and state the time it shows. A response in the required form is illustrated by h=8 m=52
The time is h=3 m=38
